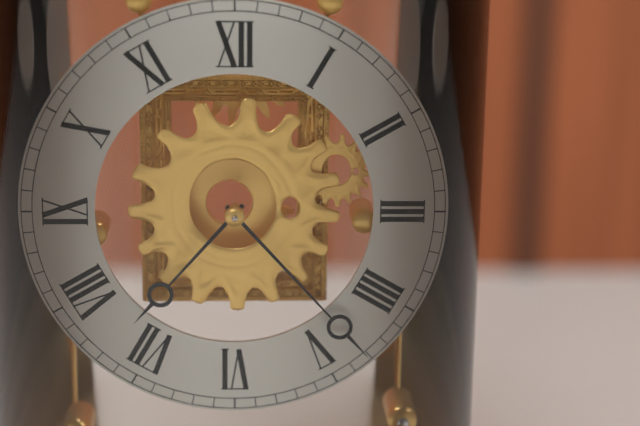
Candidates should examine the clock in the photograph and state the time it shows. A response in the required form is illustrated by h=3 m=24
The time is h=7 m=23
